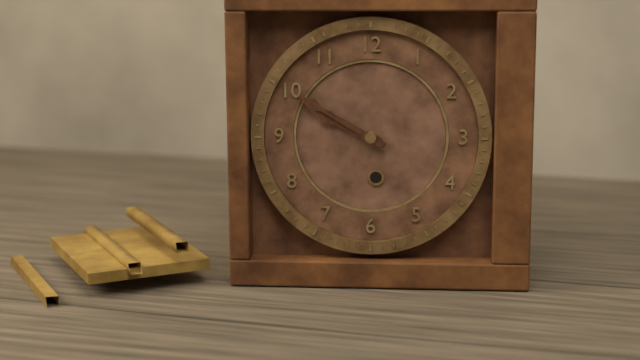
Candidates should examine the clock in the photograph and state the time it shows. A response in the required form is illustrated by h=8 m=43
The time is h=9 m=50
